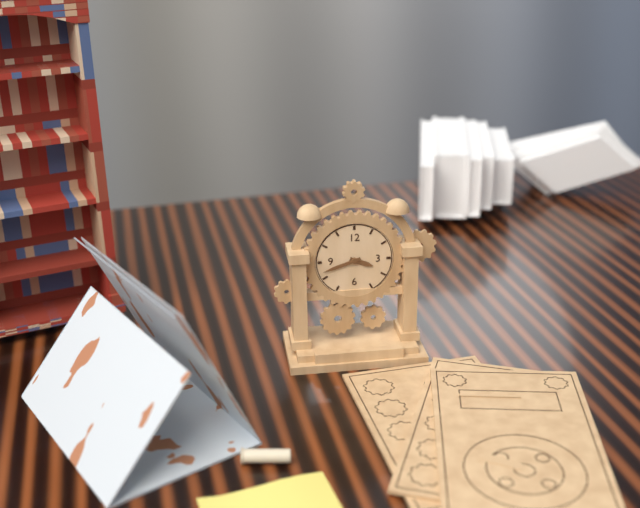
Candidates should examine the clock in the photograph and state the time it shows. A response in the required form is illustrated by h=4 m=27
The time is h=3 m=42
